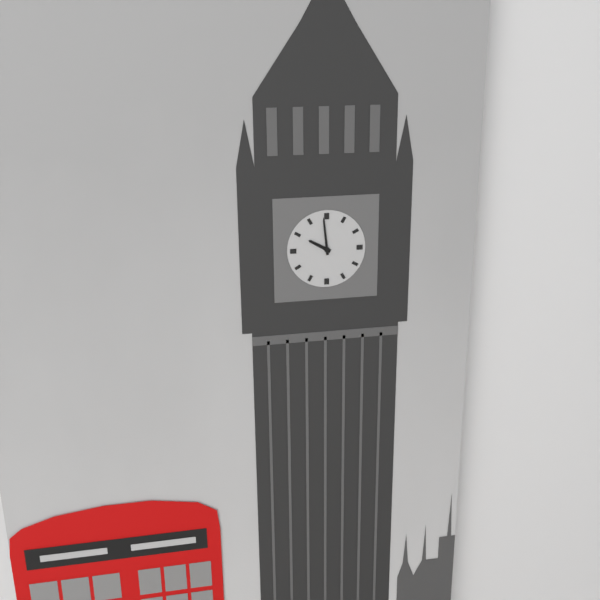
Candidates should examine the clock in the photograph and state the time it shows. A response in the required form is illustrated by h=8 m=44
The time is h=9 m=59
